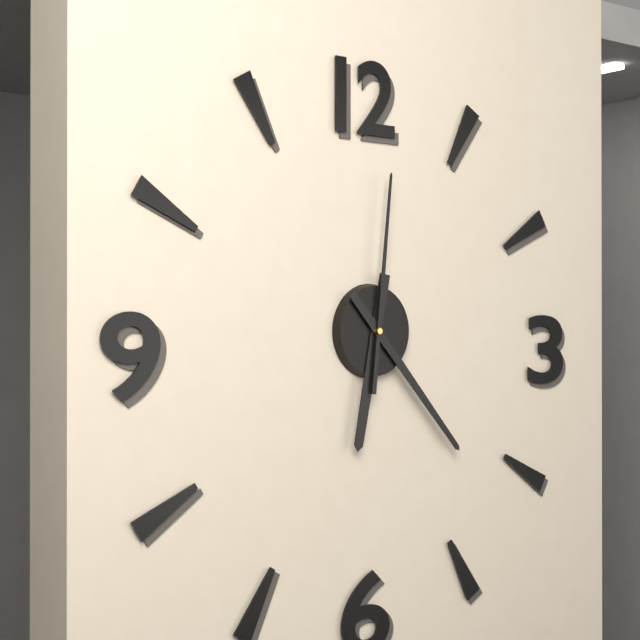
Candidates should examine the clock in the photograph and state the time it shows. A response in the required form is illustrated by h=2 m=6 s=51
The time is h=6 m=23 s=1
